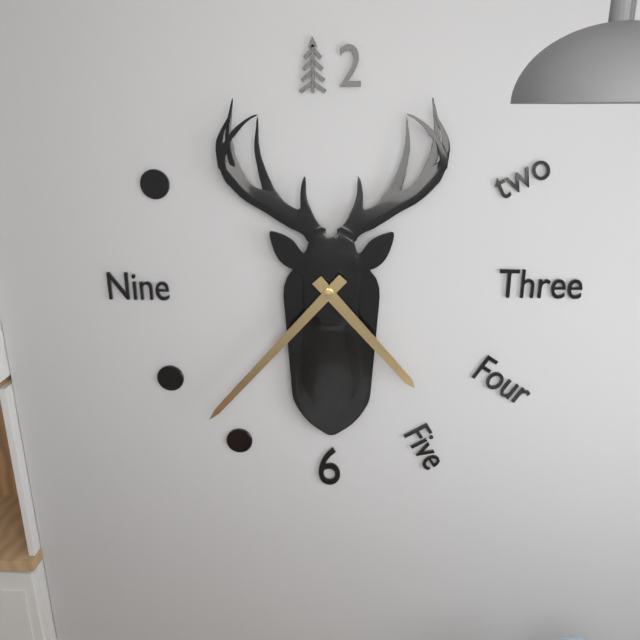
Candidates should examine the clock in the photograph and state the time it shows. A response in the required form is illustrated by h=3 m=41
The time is h=4 m=37
